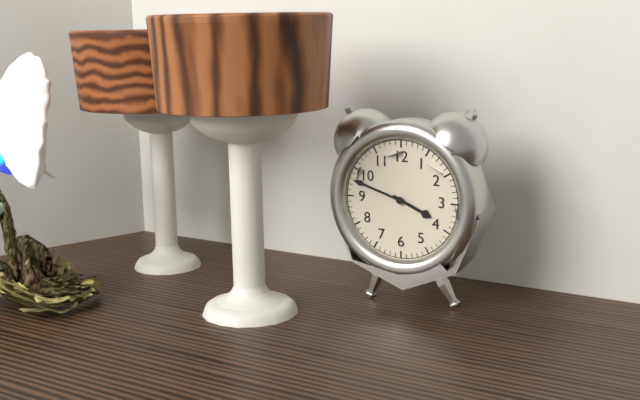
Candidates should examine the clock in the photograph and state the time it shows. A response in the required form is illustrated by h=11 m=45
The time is h=3 m=48
